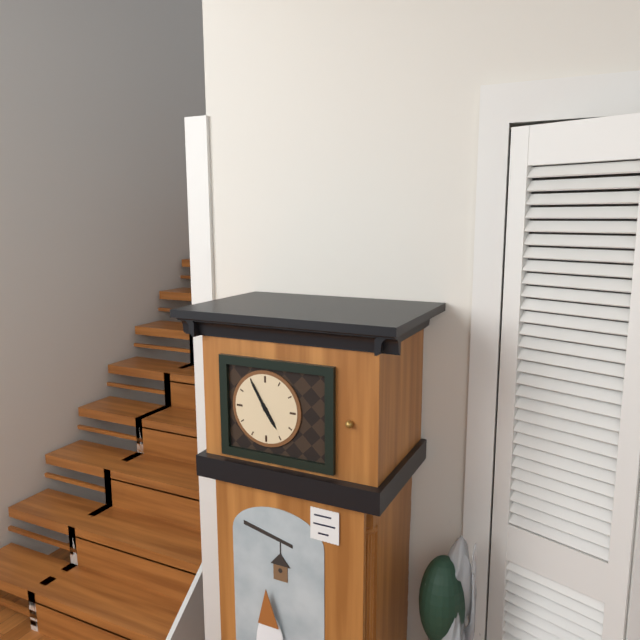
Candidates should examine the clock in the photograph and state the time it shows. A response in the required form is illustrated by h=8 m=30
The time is h=4 m=55
